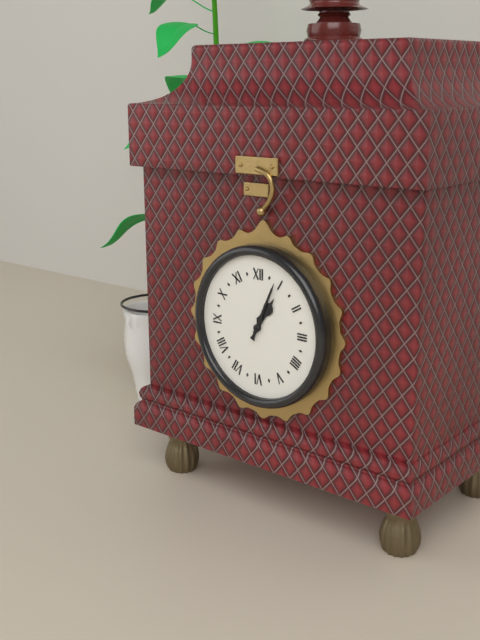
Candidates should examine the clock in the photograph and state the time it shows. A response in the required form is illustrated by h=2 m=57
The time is h=1 m=4
